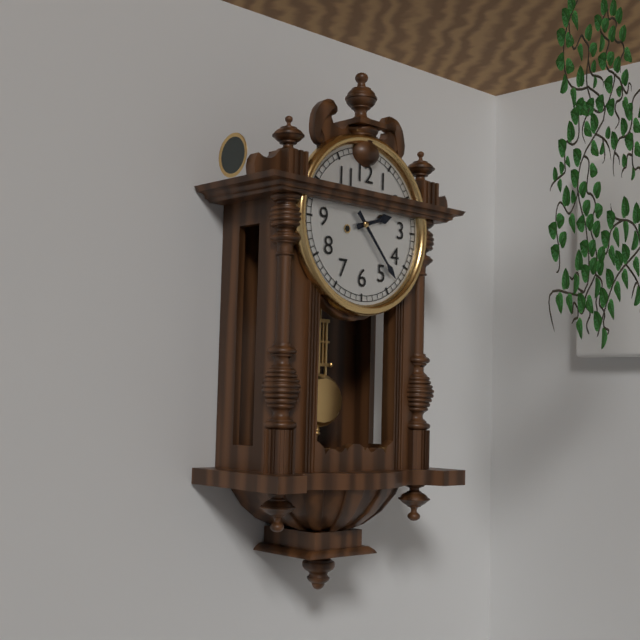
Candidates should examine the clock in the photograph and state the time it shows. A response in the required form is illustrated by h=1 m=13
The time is h=2 m=23
